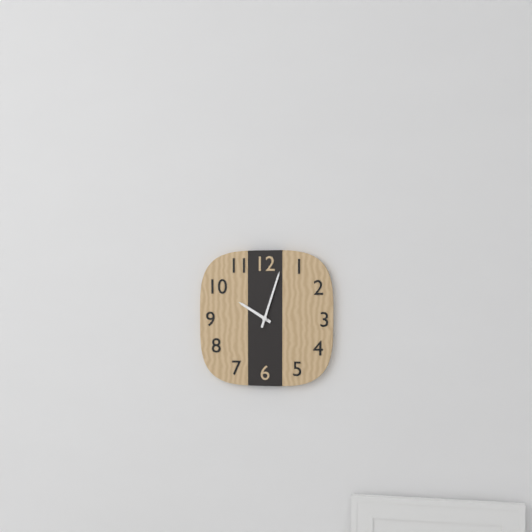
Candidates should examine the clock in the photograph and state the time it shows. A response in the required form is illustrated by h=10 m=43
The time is h=10 m=3
